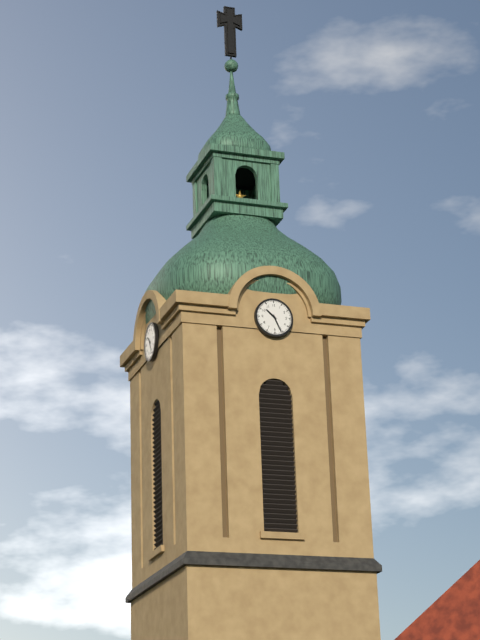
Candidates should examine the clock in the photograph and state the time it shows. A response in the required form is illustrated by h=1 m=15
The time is h=10 m=26
